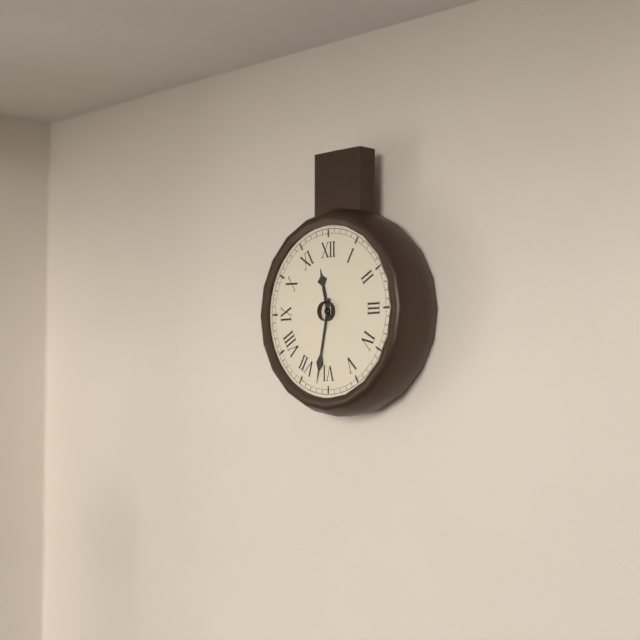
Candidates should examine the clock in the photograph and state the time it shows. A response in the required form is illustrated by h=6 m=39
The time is h=11 m=32
